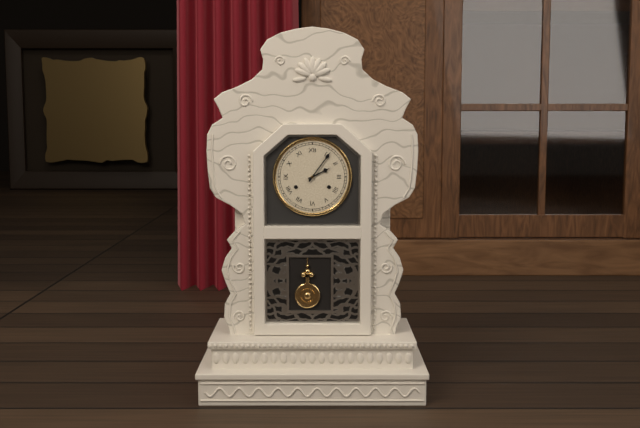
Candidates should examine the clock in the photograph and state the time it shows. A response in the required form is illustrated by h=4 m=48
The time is h=2 m=6
